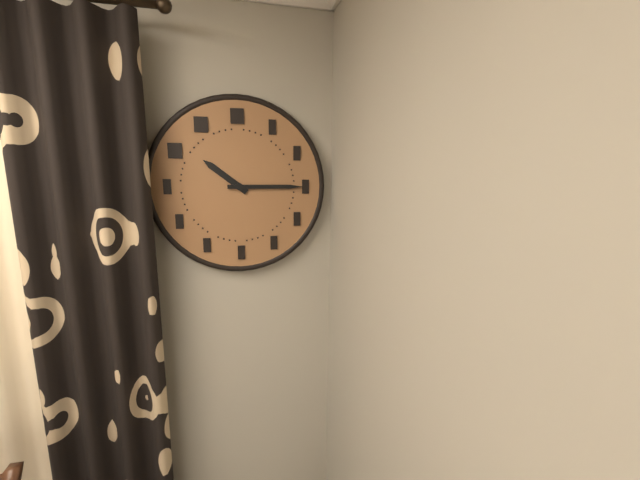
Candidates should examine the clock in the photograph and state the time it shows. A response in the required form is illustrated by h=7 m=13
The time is h=10 m=15
